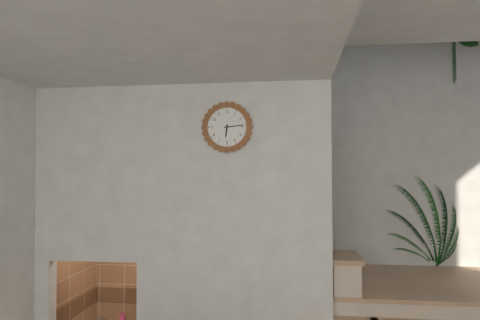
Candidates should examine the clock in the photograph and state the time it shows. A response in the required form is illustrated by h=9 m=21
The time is h=6 m=14
